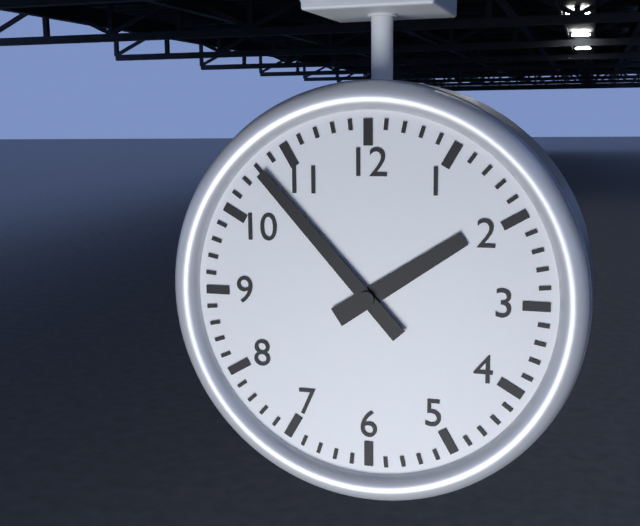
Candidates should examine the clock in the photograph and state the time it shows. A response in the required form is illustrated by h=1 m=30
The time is h=1 m=53
